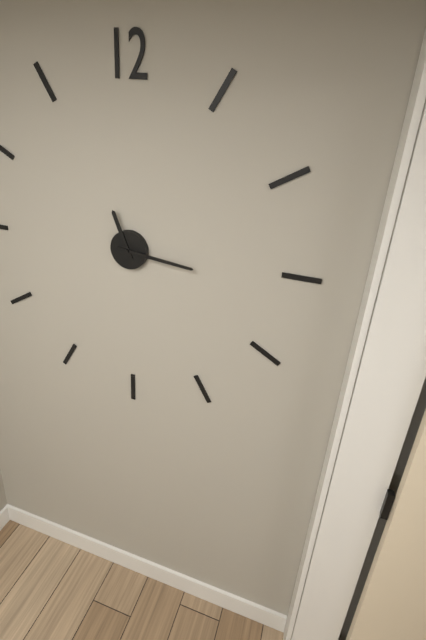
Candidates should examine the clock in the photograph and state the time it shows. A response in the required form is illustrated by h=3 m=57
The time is h=11 m=16
